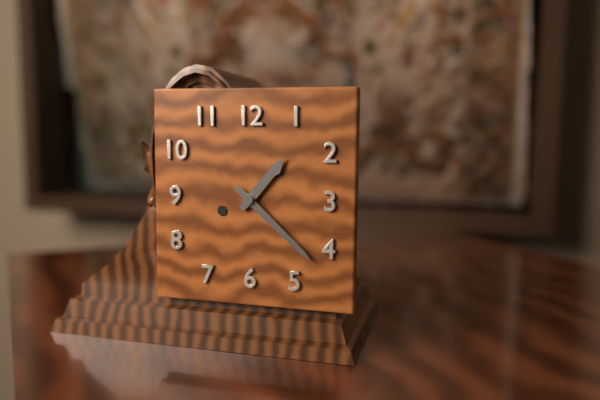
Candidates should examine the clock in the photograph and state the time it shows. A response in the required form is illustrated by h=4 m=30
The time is h=1 m=22
